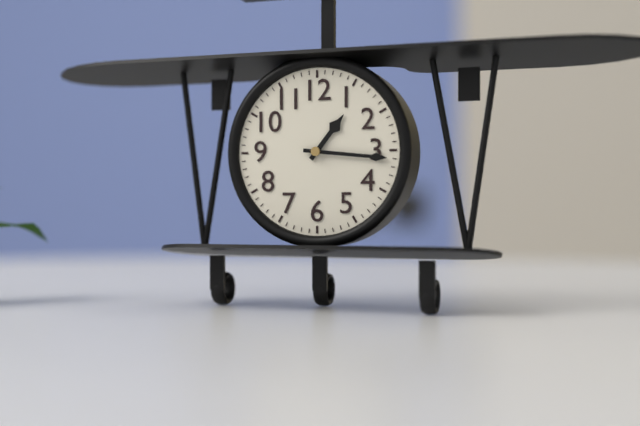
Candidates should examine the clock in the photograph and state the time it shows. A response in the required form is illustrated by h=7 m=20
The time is h=1 m=16
